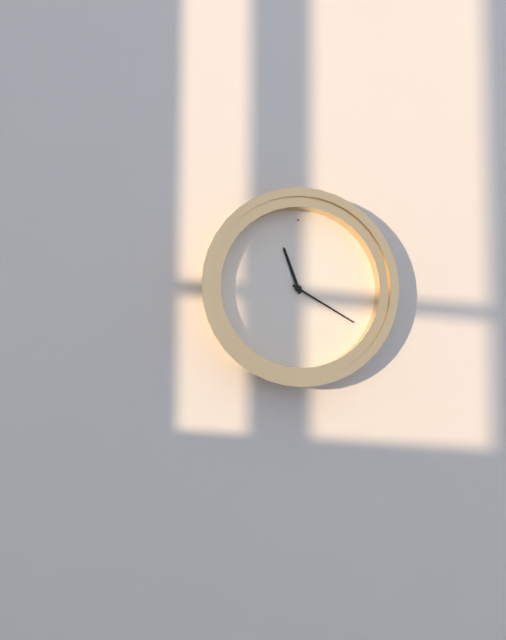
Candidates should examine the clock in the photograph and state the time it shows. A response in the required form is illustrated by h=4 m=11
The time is h=11 m=20
